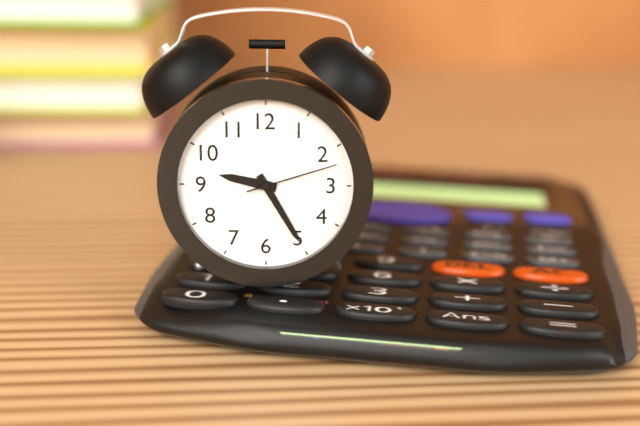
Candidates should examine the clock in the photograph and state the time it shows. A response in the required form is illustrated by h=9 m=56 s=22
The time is h=9 m=25 s=12
